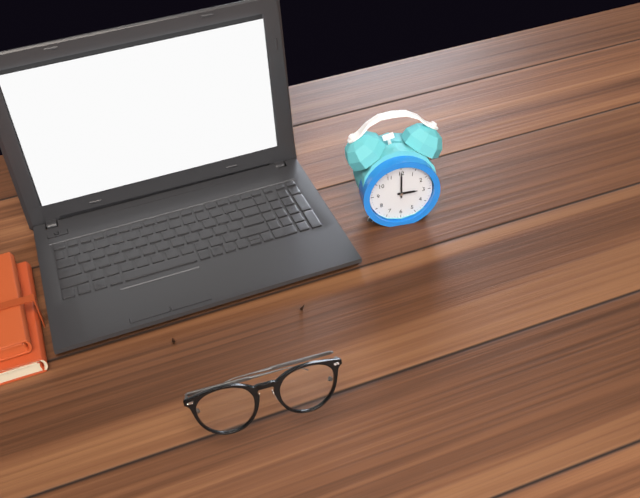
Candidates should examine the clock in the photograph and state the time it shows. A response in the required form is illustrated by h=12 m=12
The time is h=3 m=0
